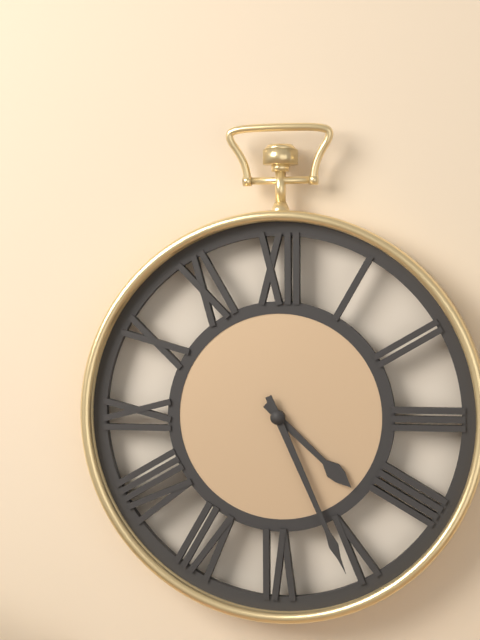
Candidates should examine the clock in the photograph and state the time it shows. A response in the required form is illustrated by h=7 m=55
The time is h=4 m=26
